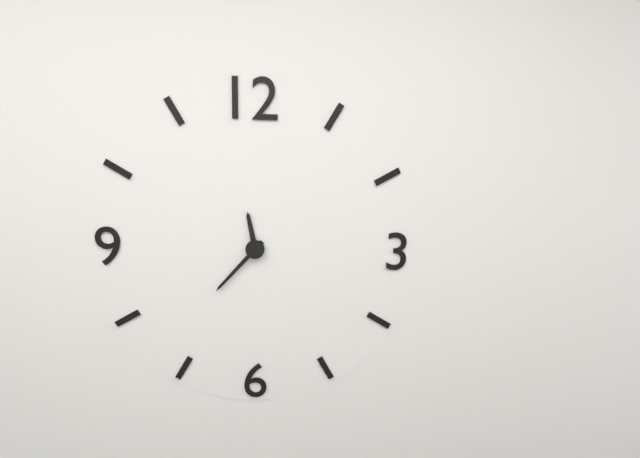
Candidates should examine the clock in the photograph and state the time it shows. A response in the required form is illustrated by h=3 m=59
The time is h=11 m=37
